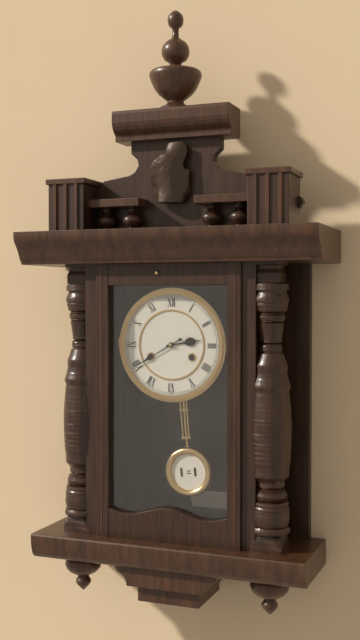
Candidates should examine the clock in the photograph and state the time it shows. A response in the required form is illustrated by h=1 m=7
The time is h=2 m=40
